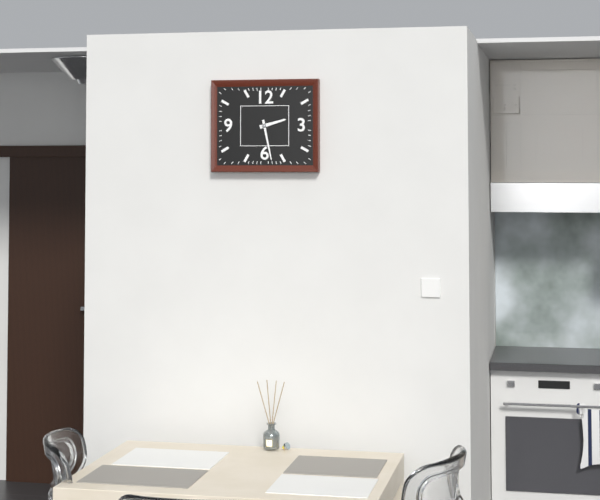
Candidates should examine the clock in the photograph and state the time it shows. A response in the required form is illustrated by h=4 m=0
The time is h=2 m=28
